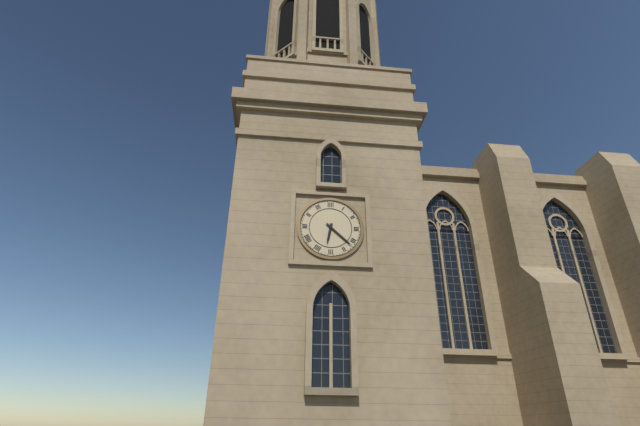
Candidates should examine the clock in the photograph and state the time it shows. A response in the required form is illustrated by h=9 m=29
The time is h=6 m=22
